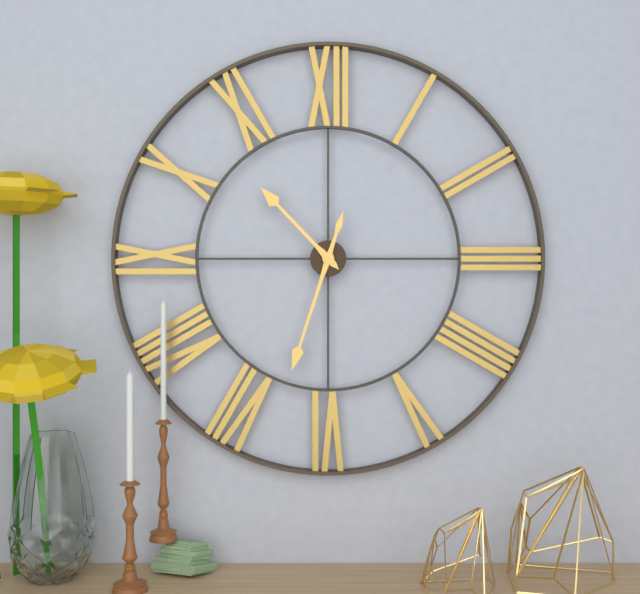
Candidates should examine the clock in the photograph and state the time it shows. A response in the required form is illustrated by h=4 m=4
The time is h=10 m=33
